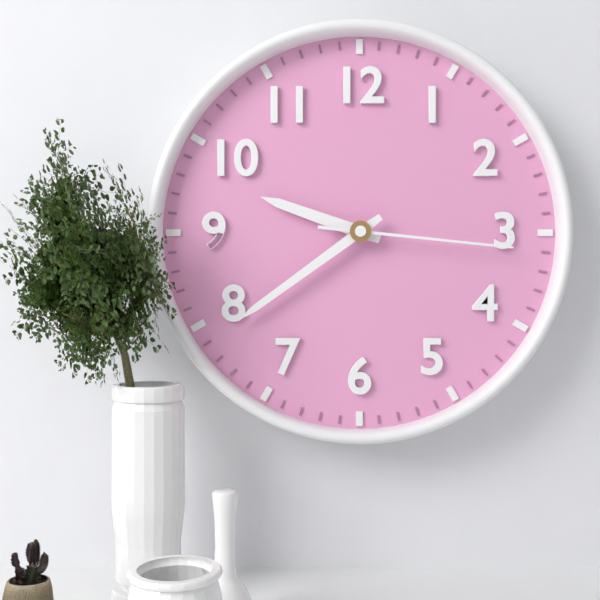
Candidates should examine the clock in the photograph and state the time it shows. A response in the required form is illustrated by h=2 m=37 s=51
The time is h=9 m=39 s=16
